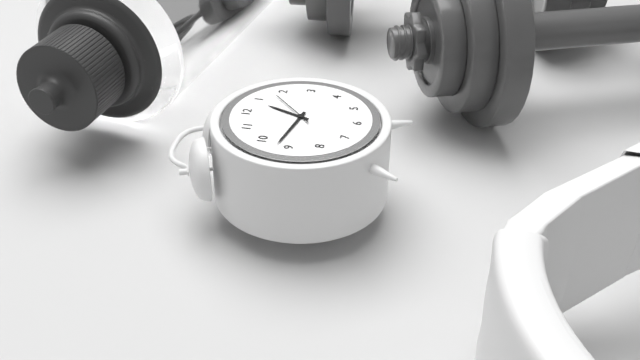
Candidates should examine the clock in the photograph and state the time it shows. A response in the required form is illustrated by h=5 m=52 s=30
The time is h=12 m=47 s=8
